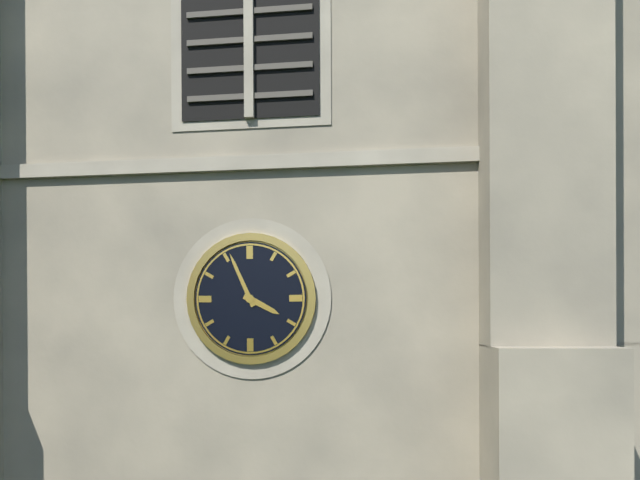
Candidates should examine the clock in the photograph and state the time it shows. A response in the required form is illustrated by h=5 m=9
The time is h=3 m=56
